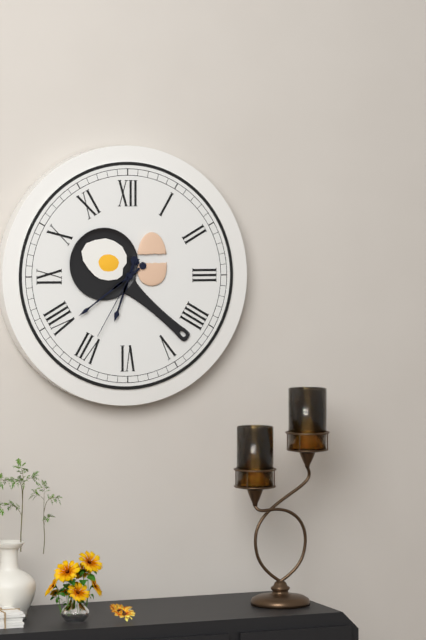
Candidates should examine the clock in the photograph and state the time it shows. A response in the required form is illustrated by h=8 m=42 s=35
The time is h=6 m=39 s=35
